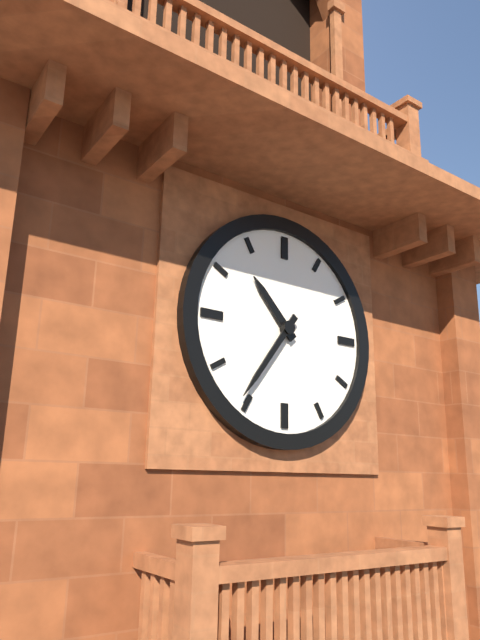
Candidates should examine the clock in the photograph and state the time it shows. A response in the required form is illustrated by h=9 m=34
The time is h=10 m=36
